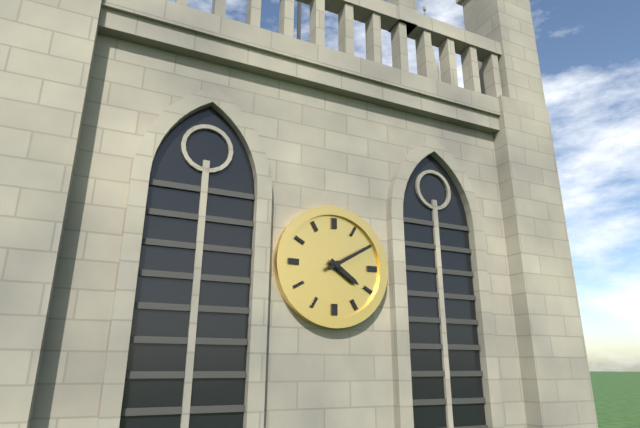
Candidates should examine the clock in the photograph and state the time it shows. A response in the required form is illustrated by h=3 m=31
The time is h=4 m=10
